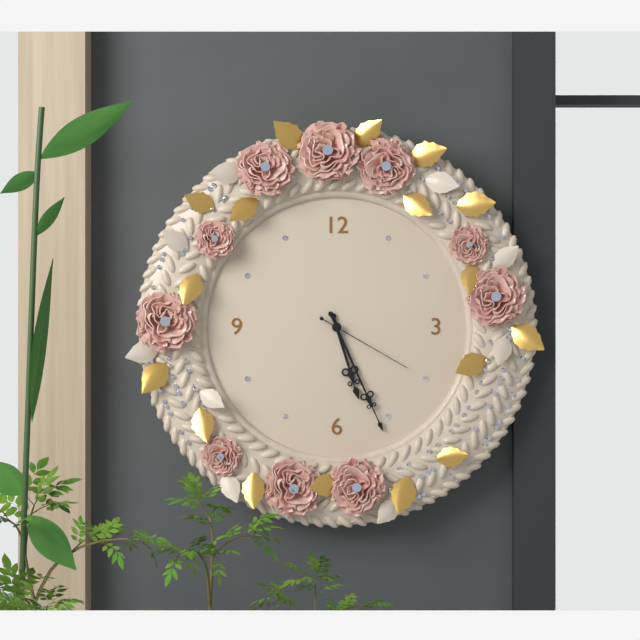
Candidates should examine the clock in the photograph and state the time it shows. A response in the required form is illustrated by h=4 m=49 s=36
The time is h=5 m=26 s=20
